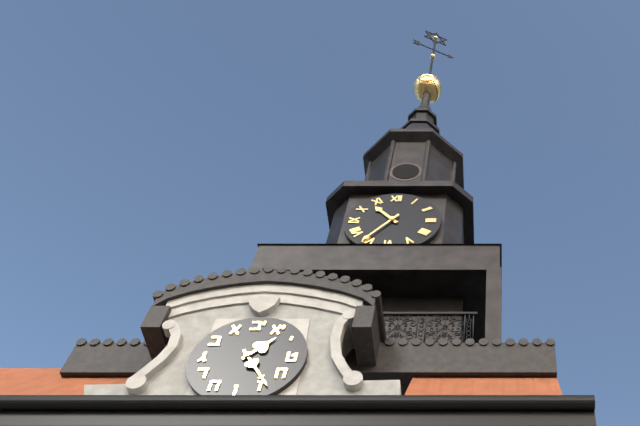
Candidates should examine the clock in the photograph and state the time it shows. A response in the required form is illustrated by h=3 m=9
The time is h=10 m=36
